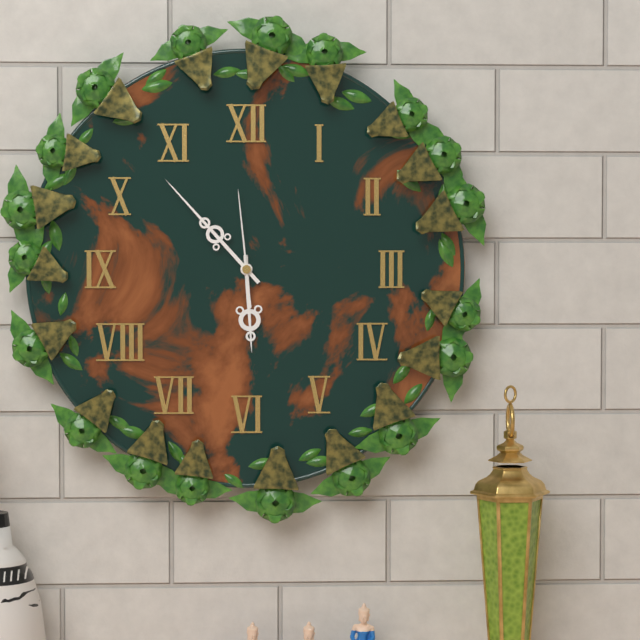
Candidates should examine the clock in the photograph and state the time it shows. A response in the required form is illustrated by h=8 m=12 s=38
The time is h=5 m=53 s=59
